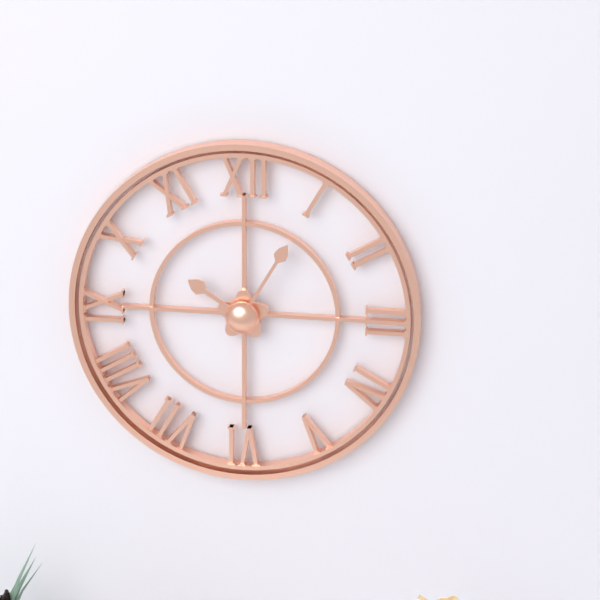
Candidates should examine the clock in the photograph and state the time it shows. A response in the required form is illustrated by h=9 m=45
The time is h=10 m=5
